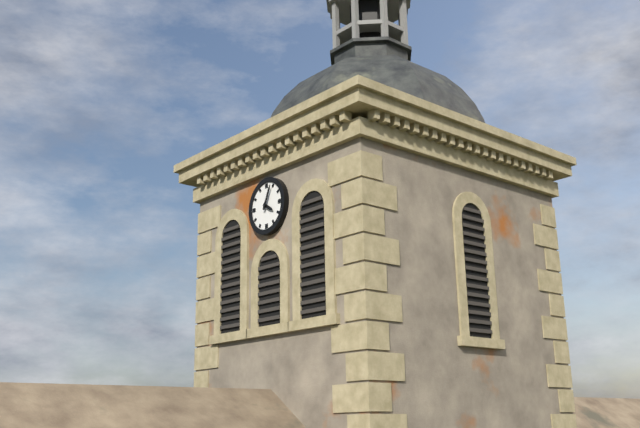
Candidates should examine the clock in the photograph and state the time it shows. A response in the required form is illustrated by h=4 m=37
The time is h=4 m=4
